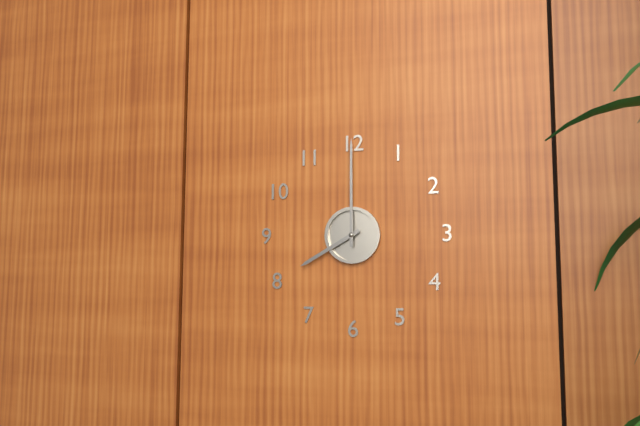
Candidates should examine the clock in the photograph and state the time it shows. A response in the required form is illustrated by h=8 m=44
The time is h=8 m=0
